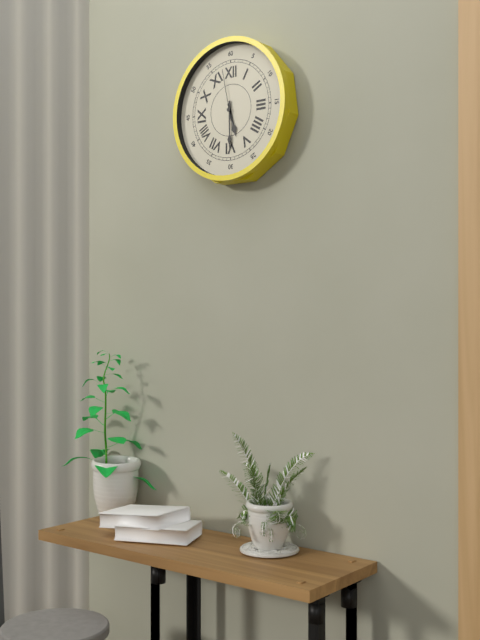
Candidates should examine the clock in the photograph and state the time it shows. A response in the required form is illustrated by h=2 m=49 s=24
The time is h=5 m=30 s=58
